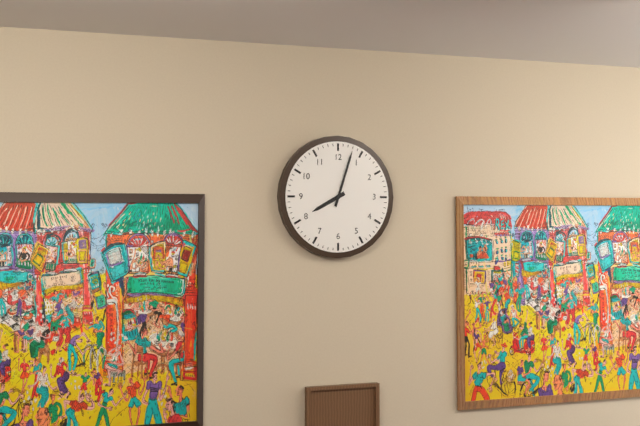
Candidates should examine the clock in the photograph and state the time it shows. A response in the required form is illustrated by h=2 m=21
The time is h=8 m=3
